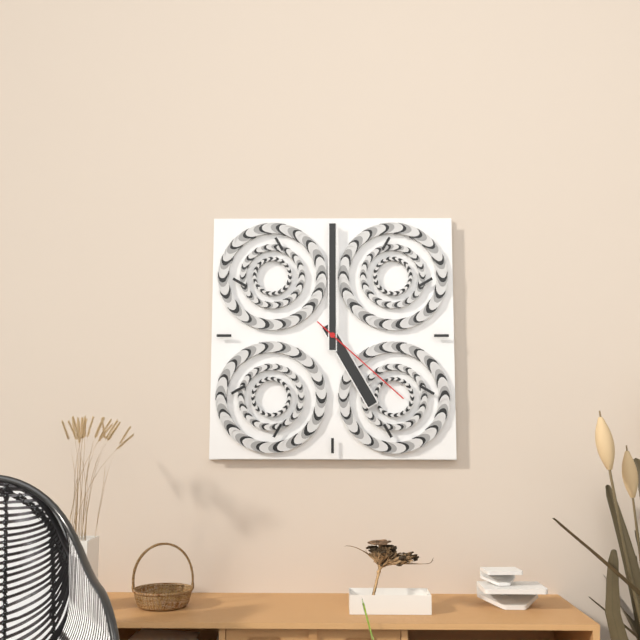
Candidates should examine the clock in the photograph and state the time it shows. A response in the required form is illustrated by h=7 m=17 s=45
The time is h=5 m=0 s=22
